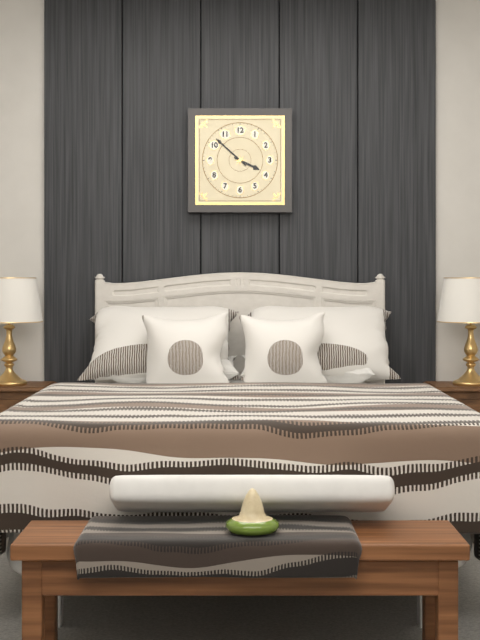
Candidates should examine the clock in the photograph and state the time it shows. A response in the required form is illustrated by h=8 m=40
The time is h=3 m=52
